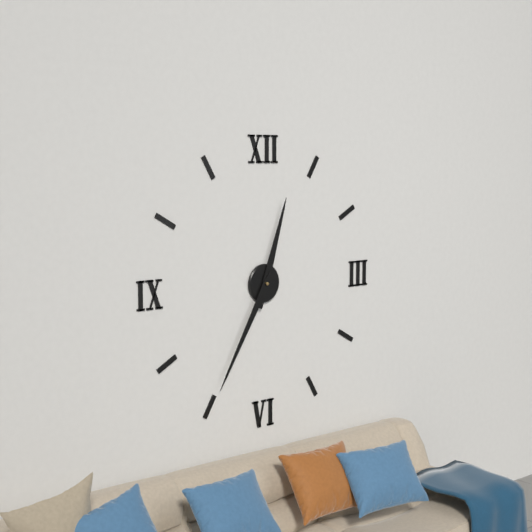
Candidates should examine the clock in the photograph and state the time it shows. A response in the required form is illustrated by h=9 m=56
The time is h=12 m=35
